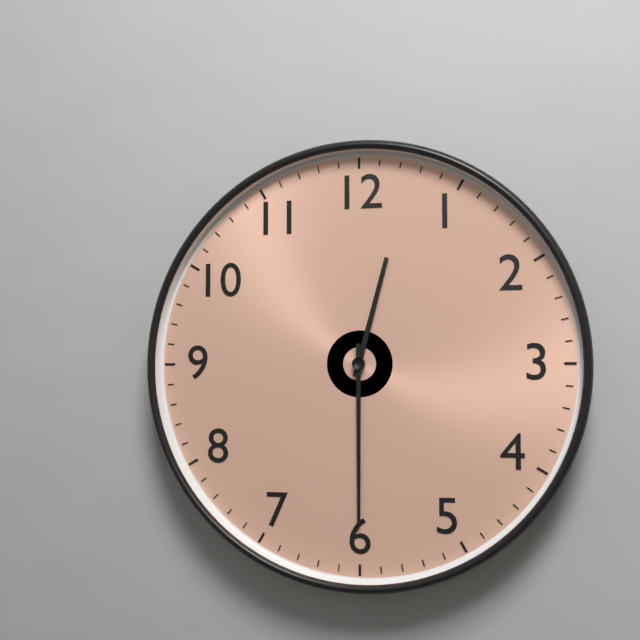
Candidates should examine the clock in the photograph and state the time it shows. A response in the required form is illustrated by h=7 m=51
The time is h=12 m=30
